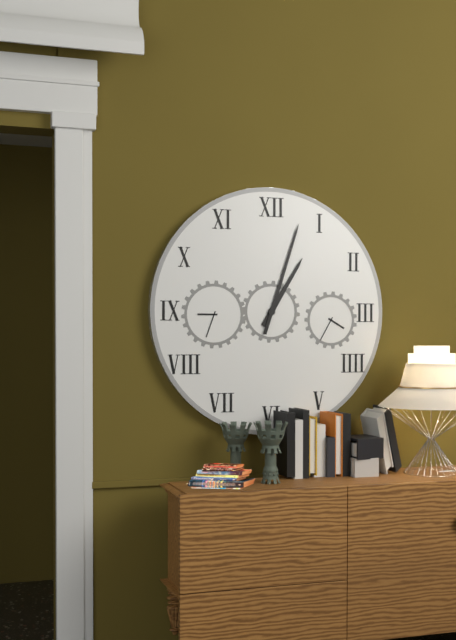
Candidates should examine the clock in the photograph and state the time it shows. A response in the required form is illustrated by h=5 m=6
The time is h=1 m=3
